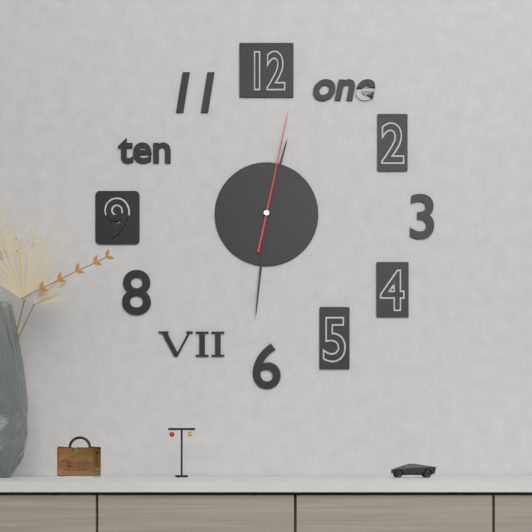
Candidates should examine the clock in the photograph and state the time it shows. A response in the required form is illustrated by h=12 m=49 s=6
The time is h=12 m=31 s=2
